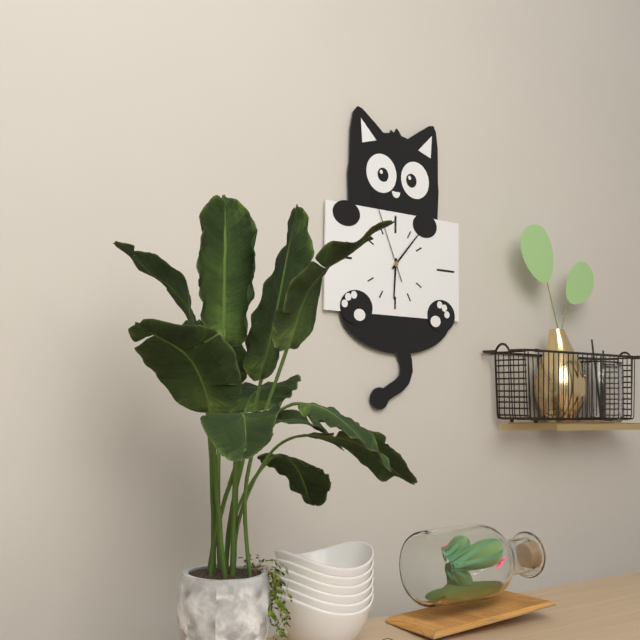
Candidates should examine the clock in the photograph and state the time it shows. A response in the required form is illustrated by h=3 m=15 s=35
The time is h=6 m=7 s=56
